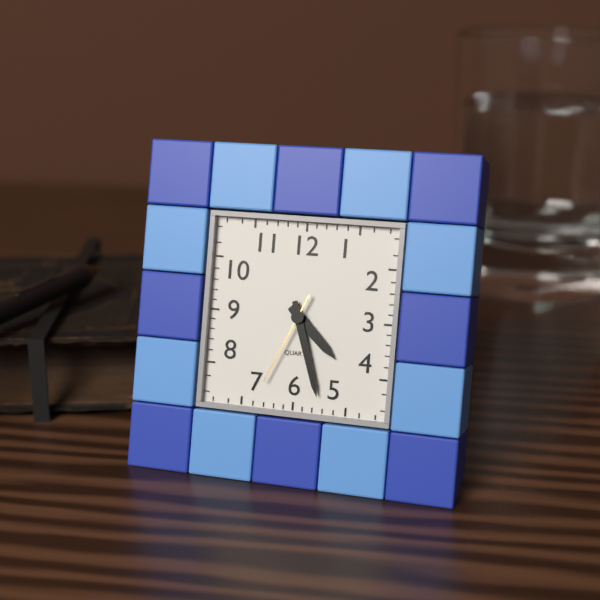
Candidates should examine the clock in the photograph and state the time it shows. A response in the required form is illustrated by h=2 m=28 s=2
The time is h=4 m=27 s=34
